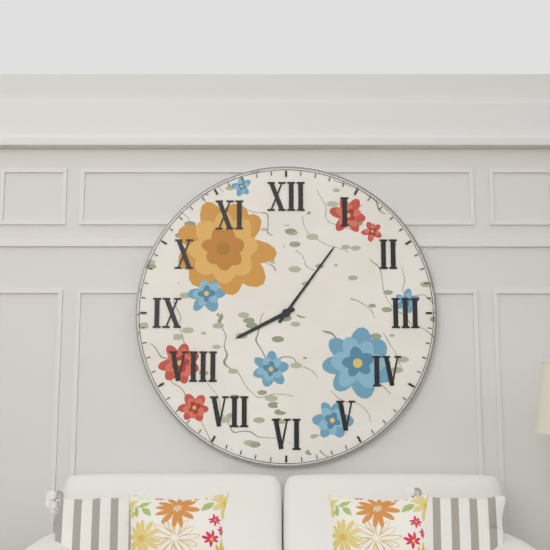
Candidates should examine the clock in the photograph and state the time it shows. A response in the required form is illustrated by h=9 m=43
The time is h=8 m=6
